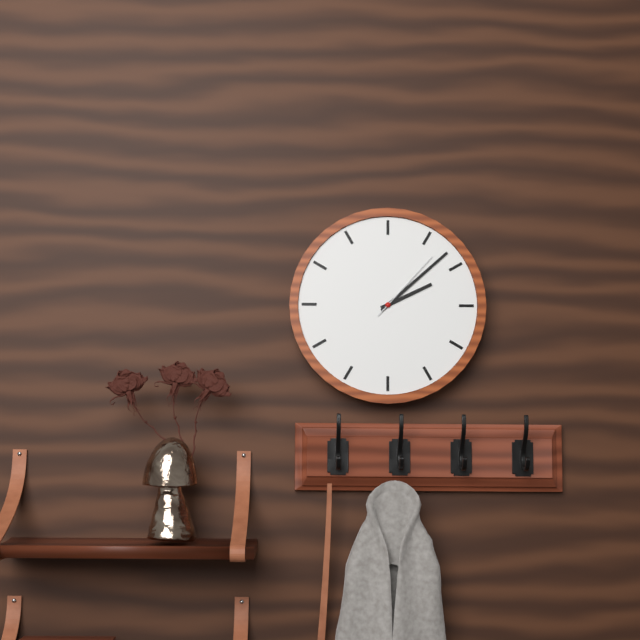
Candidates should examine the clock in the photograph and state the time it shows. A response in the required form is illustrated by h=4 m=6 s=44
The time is h=2 m=8 s=7
